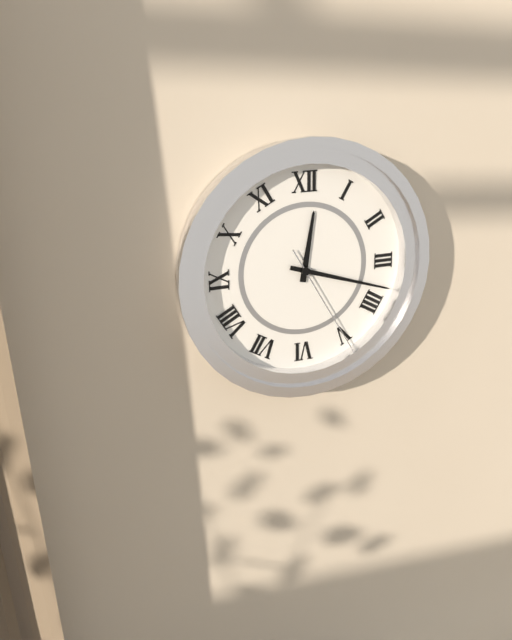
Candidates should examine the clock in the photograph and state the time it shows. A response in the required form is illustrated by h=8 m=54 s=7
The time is h=12 m=18 s=25
